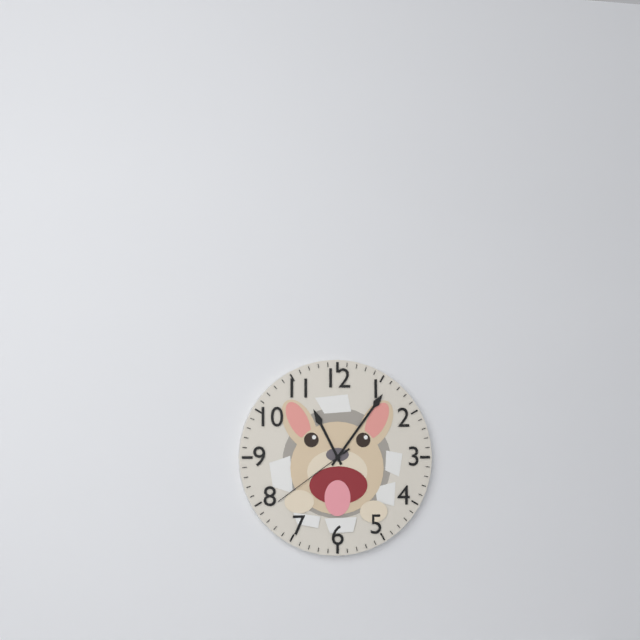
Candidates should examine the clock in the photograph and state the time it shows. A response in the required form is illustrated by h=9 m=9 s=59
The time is h=11 m=6 s=39
